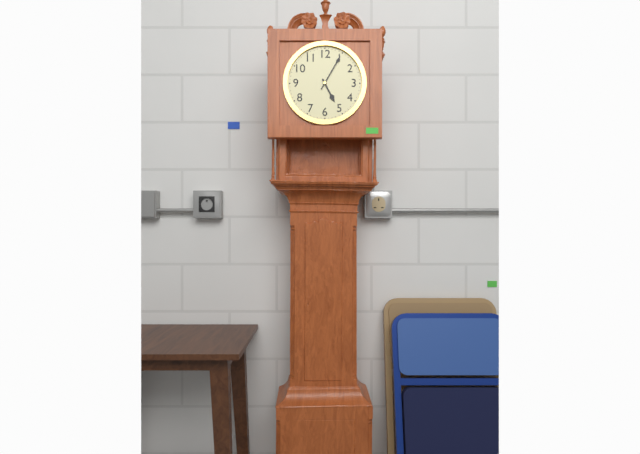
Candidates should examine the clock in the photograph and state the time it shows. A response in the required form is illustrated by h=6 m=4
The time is h=5 m=5
